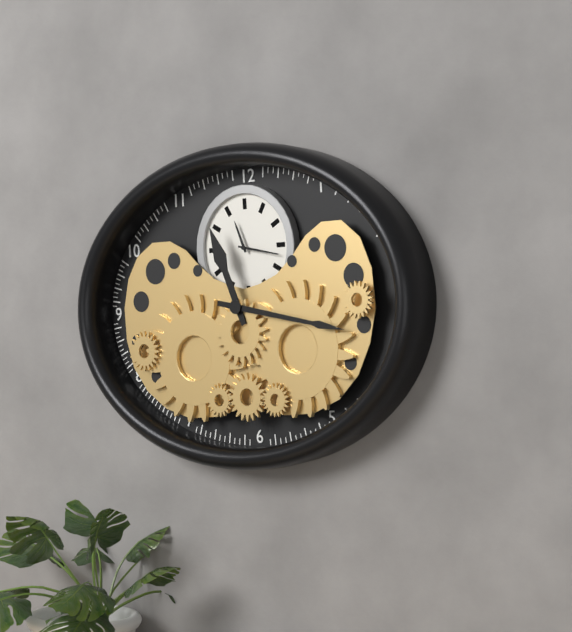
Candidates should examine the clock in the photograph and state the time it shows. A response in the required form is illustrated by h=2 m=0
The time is h=11 m=17
